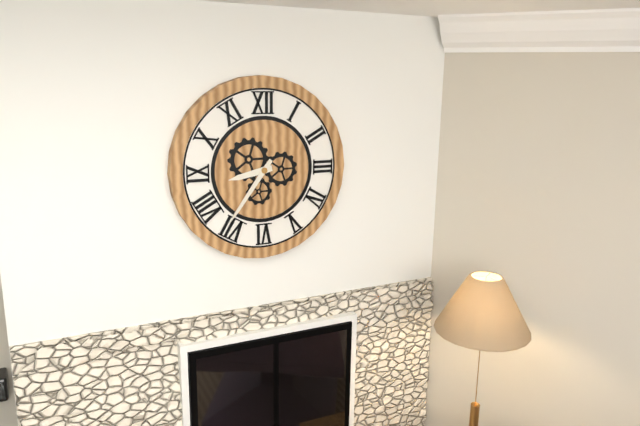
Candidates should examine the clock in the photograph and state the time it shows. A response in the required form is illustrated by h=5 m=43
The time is h=8 m=36
